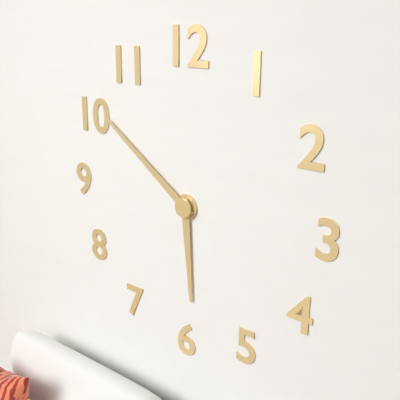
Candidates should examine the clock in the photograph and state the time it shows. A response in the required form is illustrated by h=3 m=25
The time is h=5 m=51
